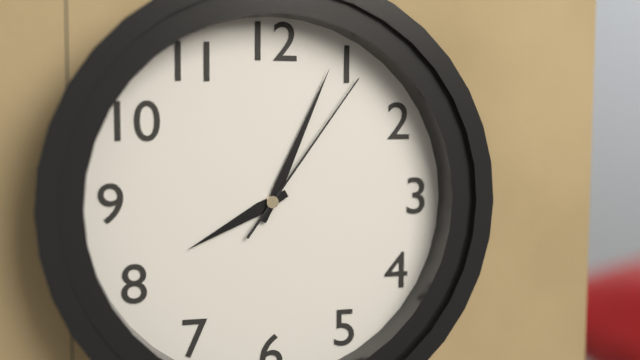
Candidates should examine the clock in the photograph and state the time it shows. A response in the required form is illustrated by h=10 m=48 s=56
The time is h=8 m=4 s=6
